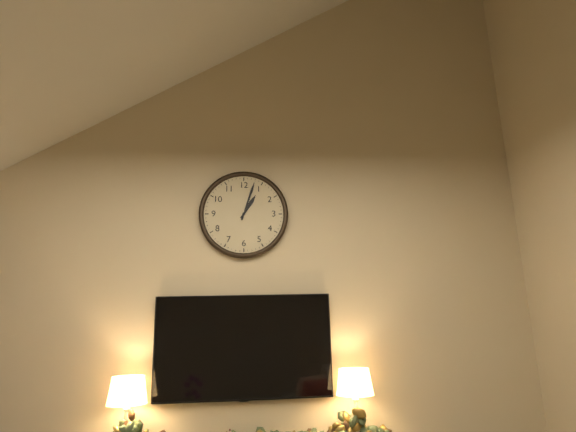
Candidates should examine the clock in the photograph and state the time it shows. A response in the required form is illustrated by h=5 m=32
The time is h=1 m=3
